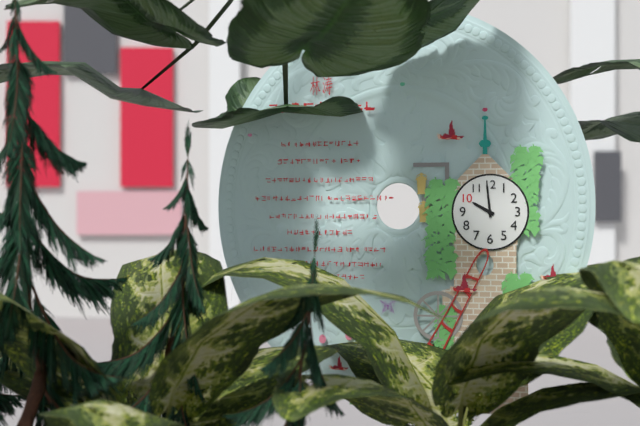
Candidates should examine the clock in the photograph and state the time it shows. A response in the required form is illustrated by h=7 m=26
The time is h=9 m=59
